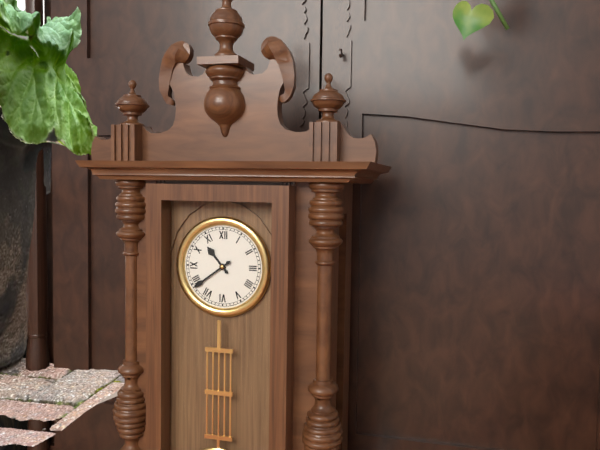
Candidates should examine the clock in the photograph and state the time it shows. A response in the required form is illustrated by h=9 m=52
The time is h=10 m=39
